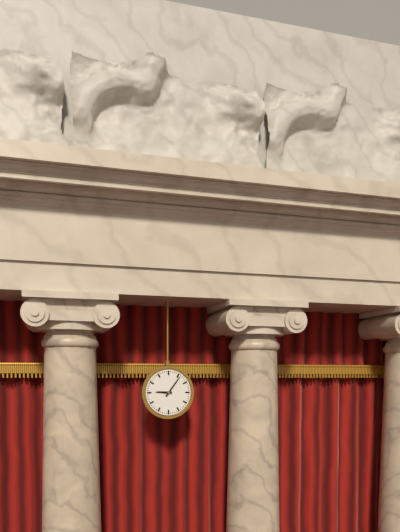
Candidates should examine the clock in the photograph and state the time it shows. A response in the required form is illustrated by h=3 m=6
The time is h=9 m=6
